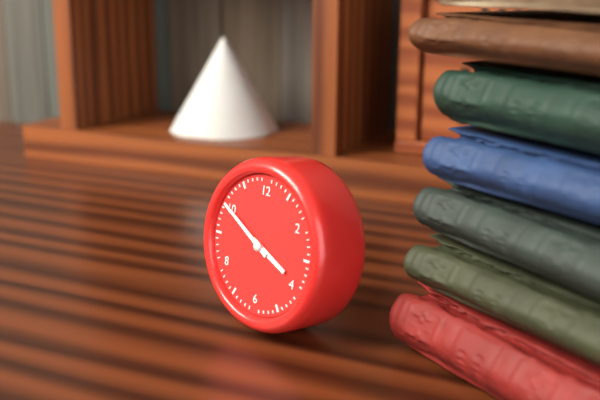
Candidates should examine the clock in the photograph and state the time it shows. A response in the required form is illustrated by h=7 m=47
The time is h=3 m=50
